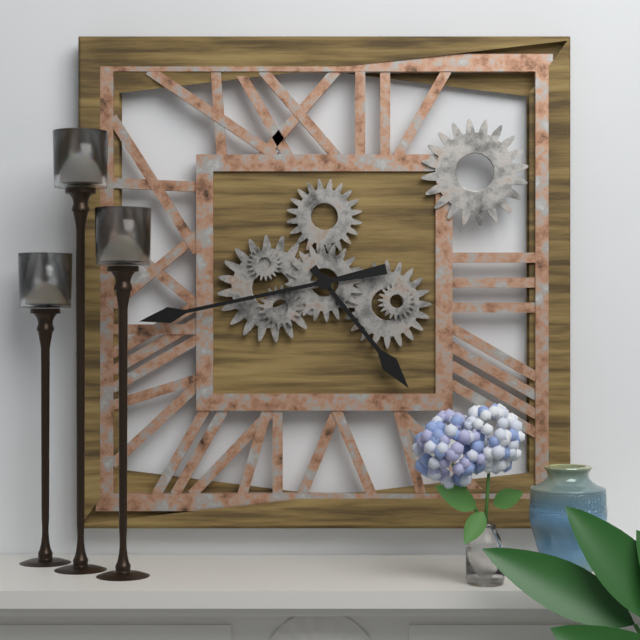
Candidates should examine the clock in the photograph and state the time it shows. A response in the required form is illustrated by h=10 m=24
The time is h=4 m=43
